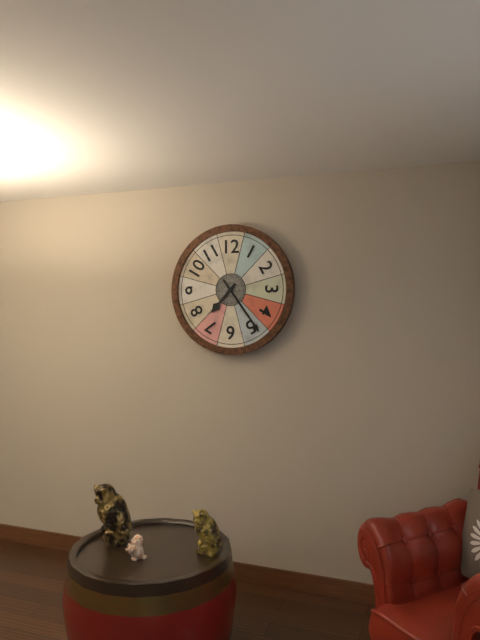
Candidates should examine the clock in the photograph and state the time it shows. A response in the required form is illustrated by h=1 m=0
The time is h=7 m=24
